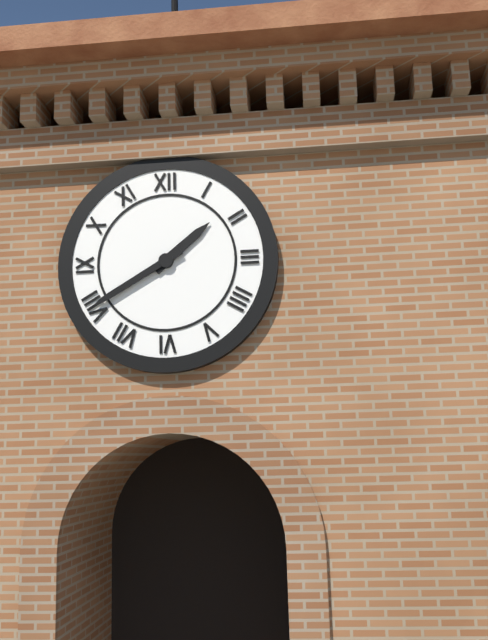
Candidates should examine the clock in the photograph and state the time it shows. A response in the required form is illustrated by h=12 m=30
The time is h=1 m=40
